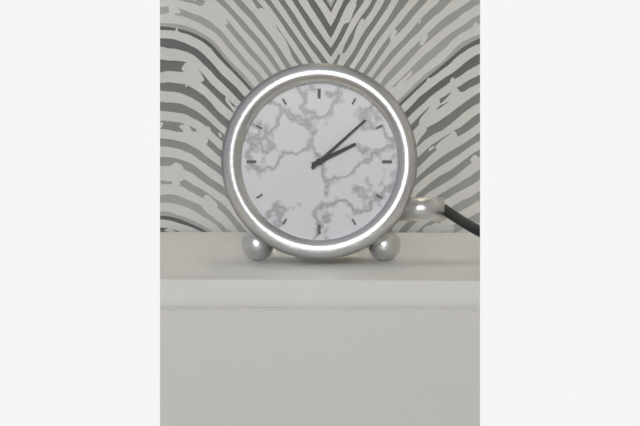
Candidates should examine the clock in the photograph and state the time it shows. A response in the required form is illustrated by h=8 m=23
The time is h=2 m=8
